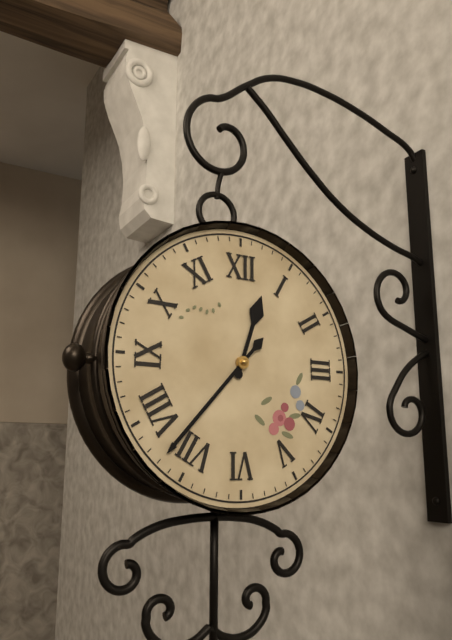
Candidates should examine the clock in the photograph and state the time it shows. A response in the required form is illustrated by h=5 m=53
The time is h=12 m=37
